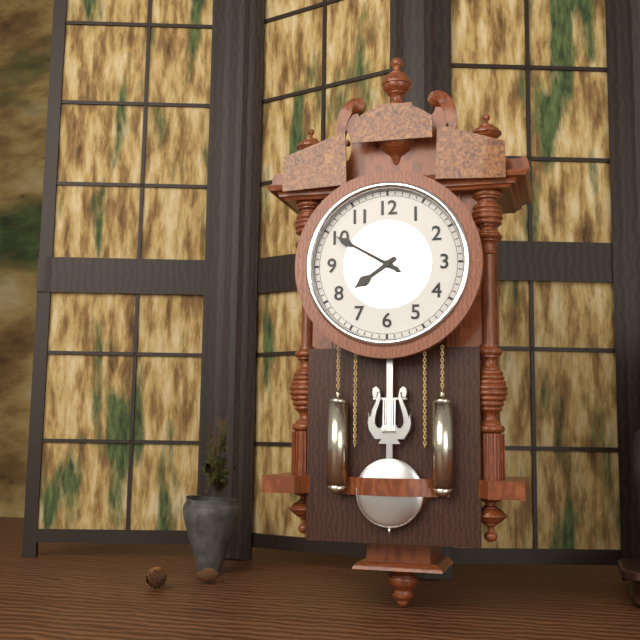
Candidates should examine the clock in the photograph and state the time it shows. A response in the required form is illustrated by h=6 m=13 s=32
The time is h=7 m=50 s=50
